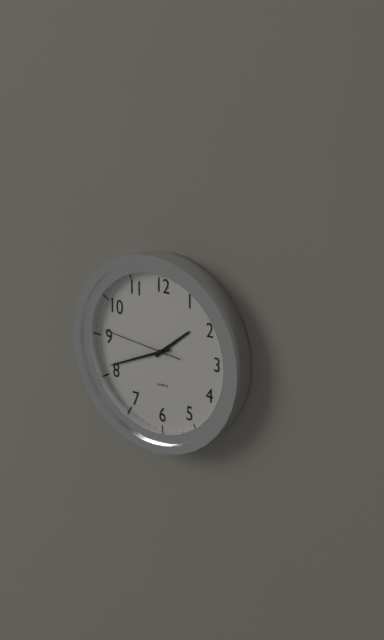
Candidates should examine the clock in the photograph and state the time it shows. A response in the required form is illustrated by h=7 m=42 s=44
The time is h=1 m=41 s=46
